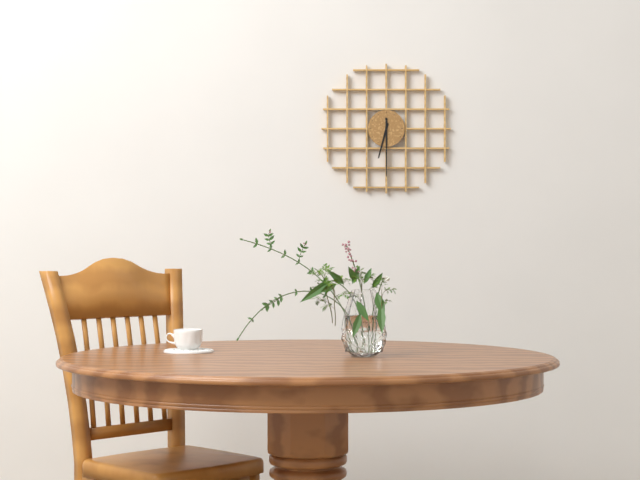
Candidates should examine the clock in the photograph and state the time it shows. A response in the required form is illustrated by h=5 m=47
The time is h=6 m=30
